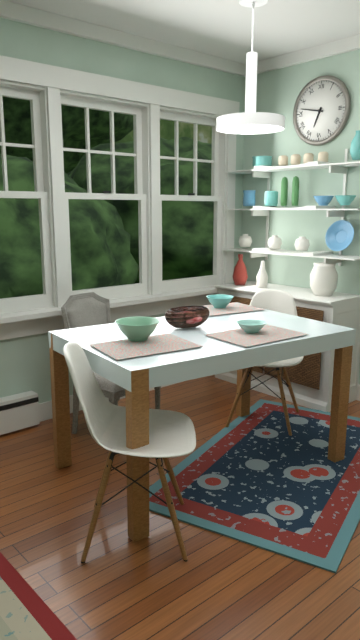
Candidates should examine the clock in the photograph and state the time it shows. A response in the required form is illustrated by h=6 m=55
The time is h=6 m=47
